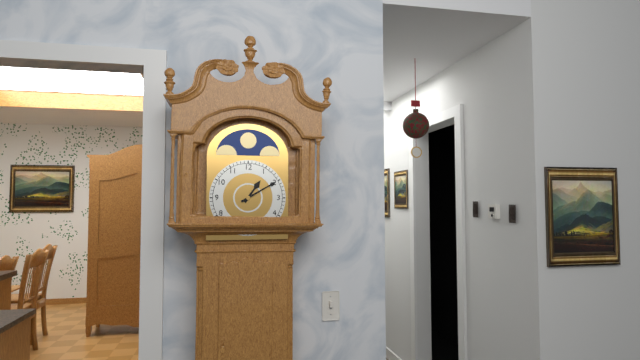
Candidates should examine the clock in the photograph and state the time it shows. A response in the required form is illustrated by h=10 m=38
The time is h=1 m=10
